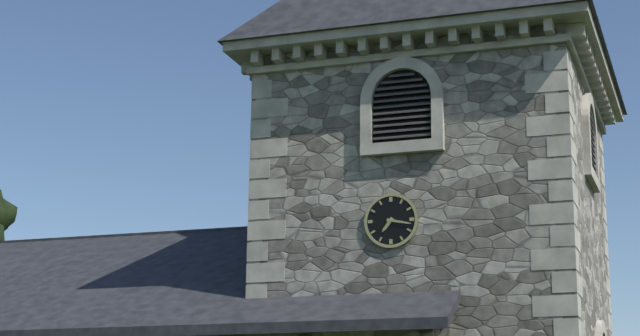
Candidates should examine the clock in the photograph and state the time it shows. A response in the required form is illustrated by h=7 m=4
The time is h=7 m=17
